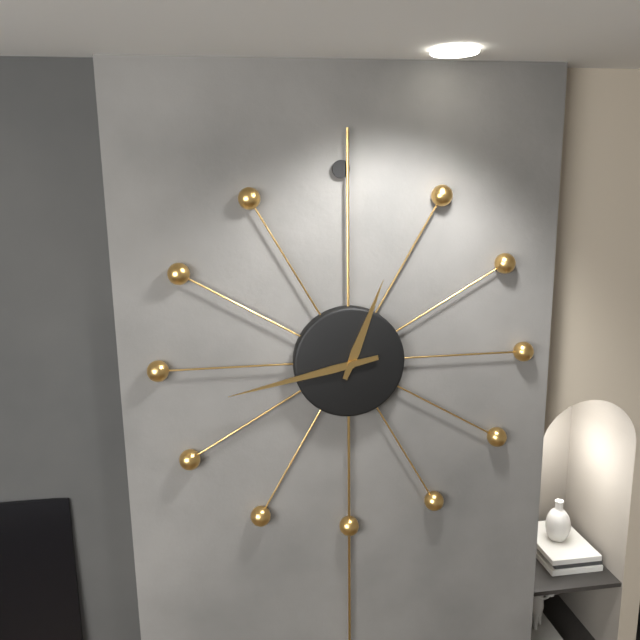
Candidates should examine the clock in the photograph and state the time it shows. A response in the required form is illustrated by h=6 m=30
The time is h=12 m=43
